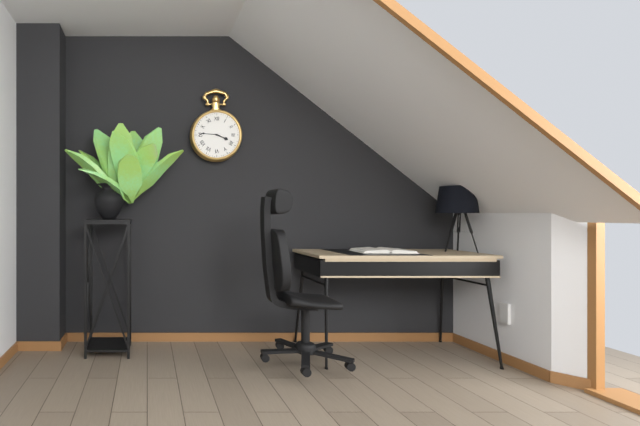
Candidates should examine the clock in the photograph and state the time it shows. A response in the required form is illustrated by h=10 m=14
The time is h=3 m=46
